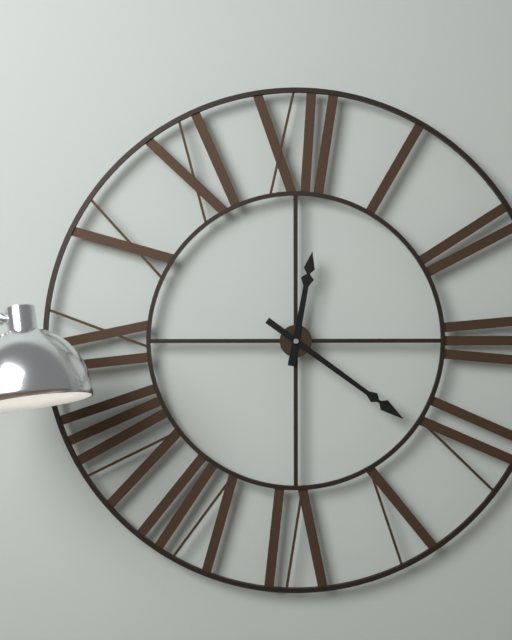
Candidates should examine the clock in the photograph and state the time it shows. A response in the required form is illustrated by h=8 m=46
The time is h=12 m=21
